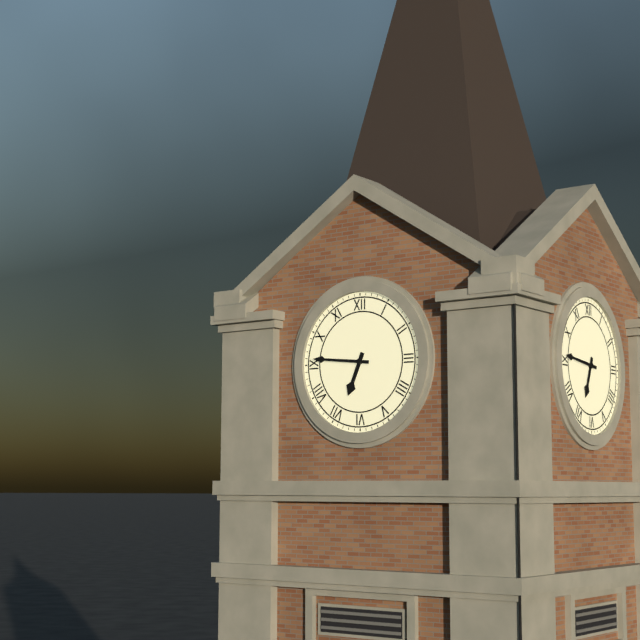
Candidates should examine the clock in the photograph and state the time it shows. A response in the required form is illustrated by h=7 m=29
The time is h=6 m=46
